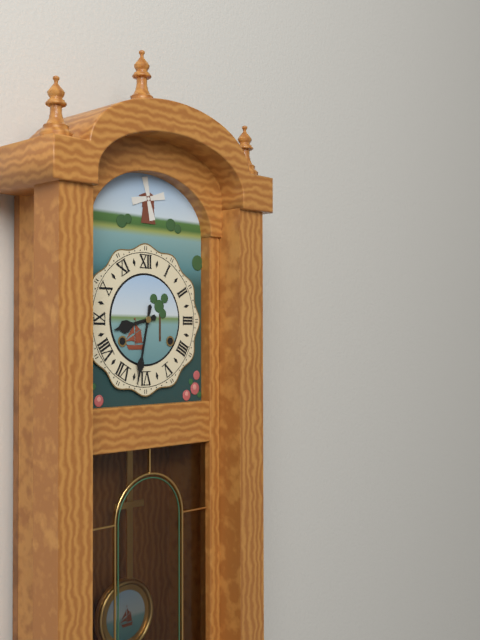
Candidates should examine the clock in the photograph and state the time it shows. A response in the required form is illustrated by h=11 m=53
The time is h=8 m=32
